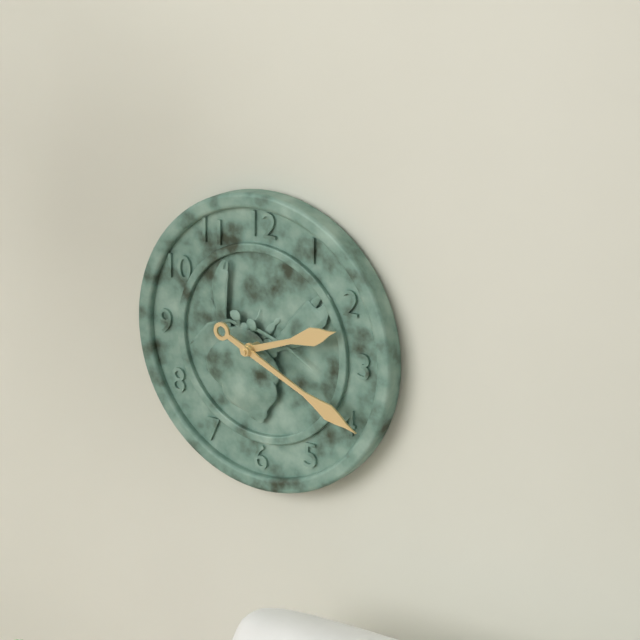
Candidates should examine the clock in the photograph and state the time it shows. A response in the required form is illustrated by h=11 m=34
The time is h=2 m=19
